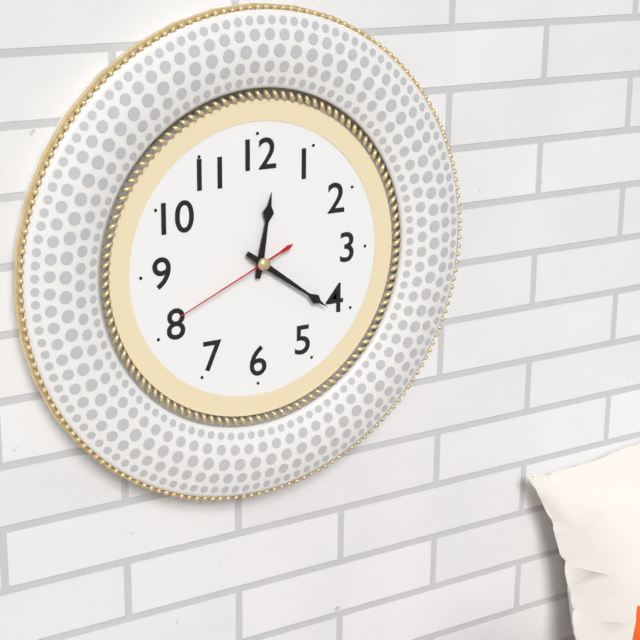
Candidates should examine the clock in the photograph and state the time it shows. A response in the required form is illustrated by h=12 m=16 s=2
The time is h=12 m=21 s=41
